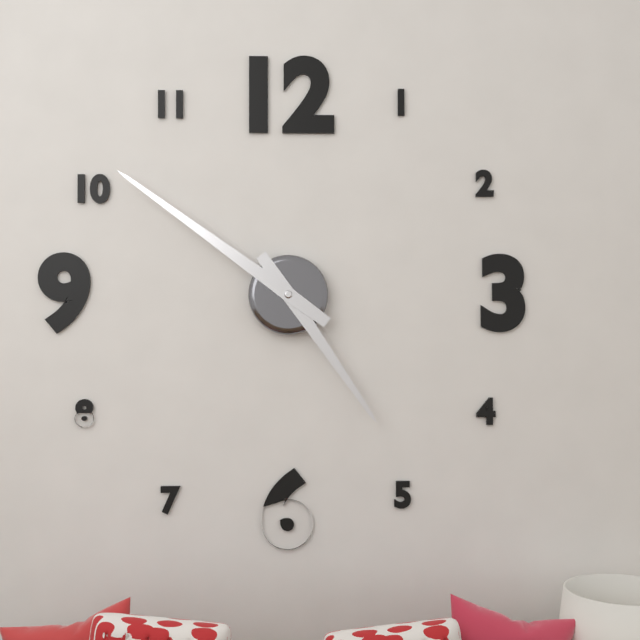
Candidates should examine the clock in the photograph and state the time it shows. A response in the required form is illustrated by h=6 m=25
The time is h=4 m=51
